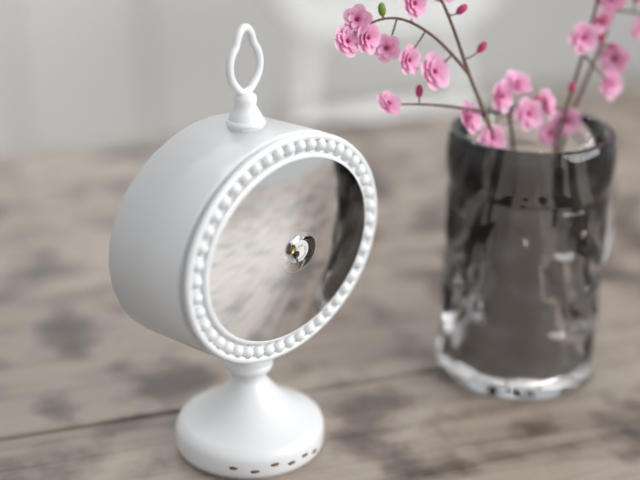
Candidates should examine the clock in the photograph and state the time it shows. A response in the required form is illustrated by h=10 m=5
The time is h=10 m=25
